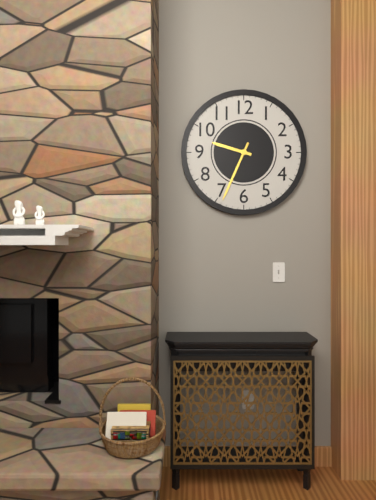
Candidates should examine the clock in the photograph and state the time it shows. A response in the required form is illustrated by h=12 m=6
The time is h=9 m=34
